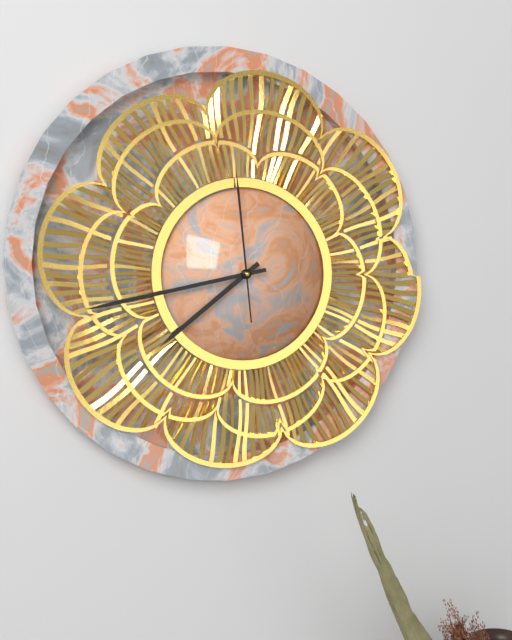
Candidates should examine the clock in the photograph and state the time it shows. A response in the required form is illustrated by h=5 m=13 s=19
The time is h=7 m=43 s=59
